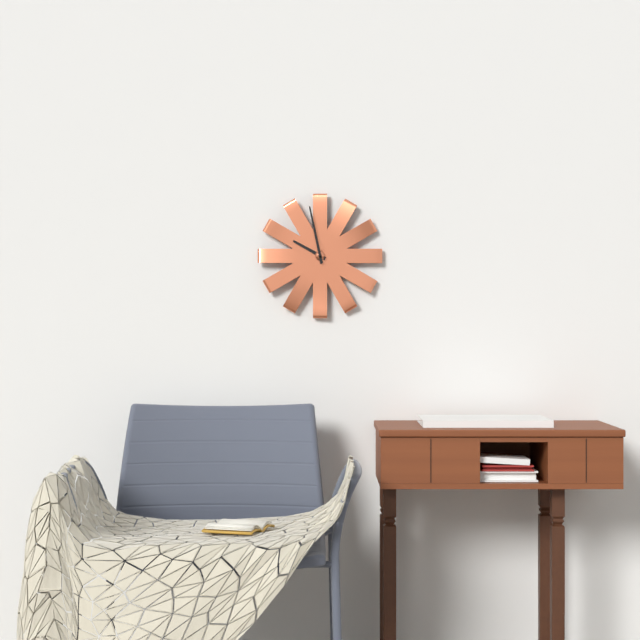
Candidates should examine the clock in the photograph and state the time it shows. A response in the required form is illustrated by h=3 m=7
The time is h=9 m=58
